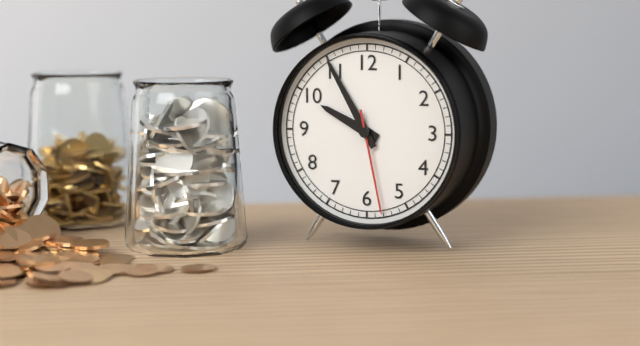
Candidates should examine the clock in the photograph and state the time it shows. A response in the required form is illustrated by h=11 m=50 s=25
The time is h=9 m=55 s=28
